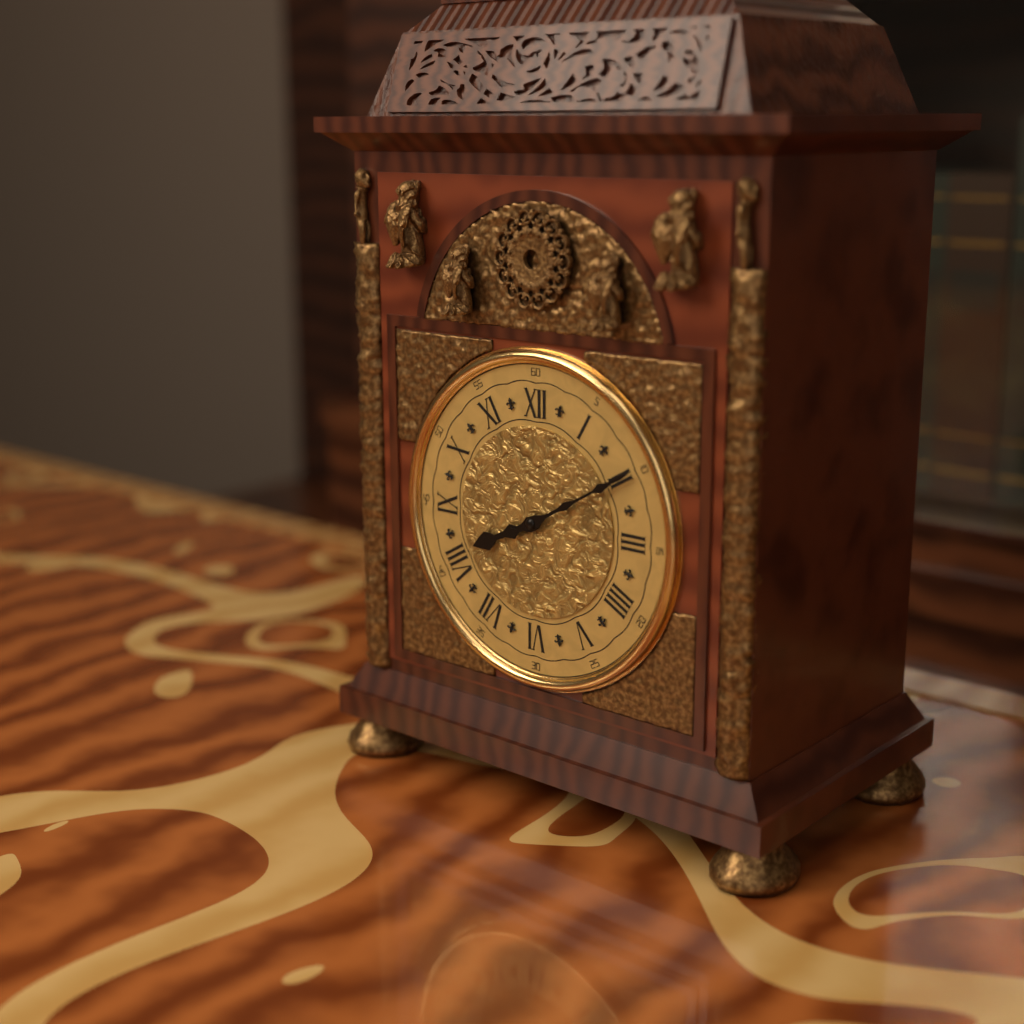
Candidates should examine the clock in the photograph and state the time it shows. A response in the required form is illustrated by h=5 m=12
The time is h=8 m=10
